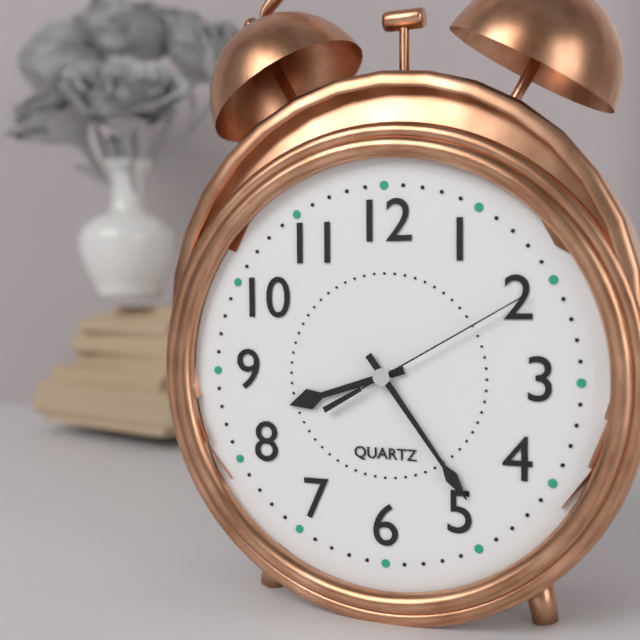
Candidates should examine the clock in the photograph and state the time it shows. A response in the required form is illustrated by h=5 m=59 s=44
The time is h=8 m=24 s=10
